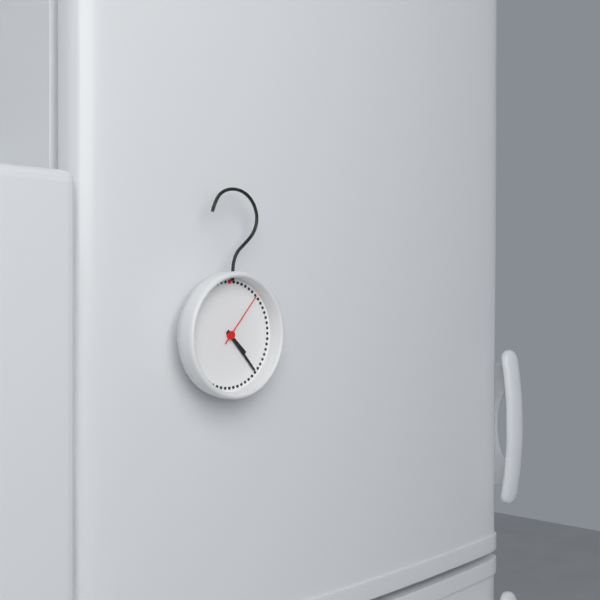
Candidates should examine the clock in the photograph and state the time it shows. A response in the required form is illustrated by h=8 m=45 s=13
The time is h=4 m=23 s=7
